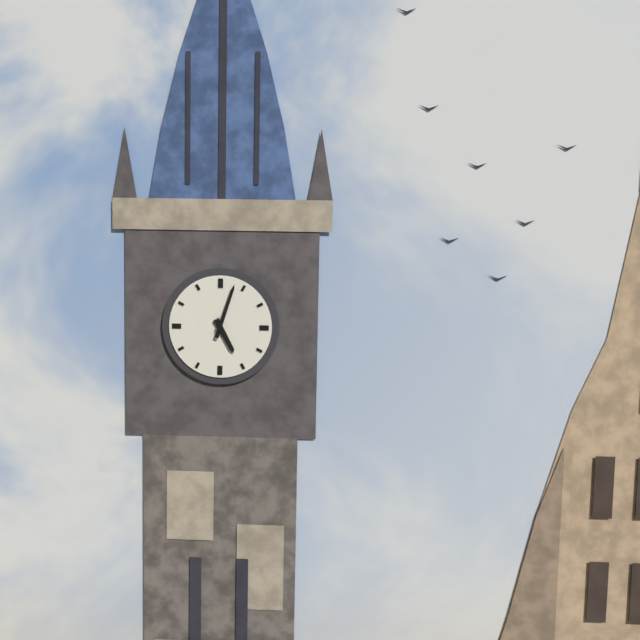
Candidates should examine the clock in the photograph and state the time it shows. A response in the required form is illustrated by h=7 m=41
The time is h=5 m=3
